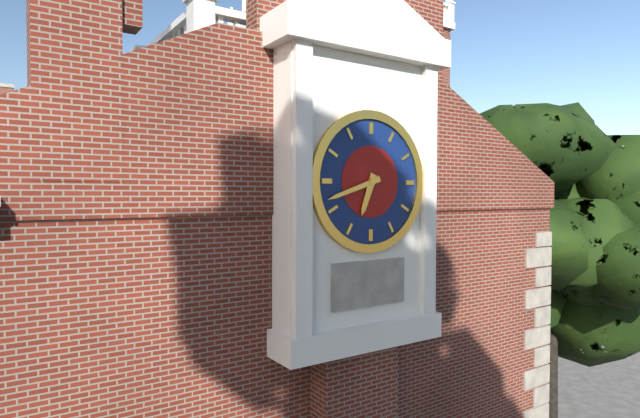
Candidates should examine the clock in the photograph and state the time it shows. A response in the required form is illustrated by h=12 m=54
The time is h=6 m=42
